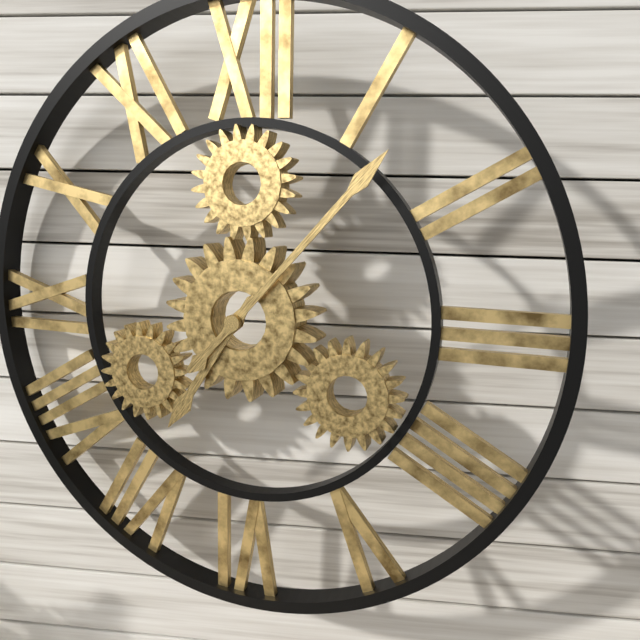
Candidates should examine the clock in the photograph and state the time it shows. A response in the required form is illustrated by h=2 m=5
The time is h=7 m=7
